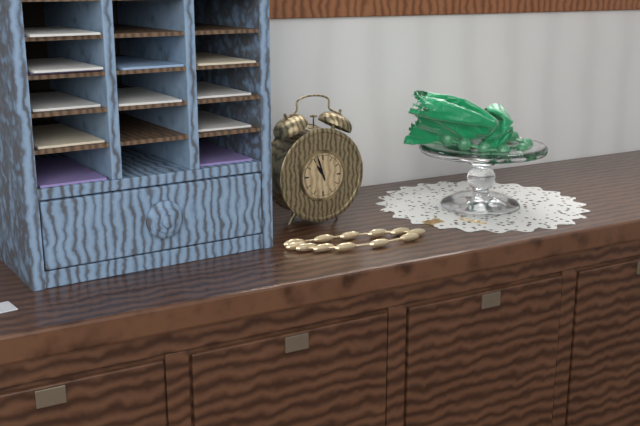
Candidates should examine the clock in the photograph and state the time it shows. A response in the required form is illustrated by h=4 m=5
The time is h=10 m=57
